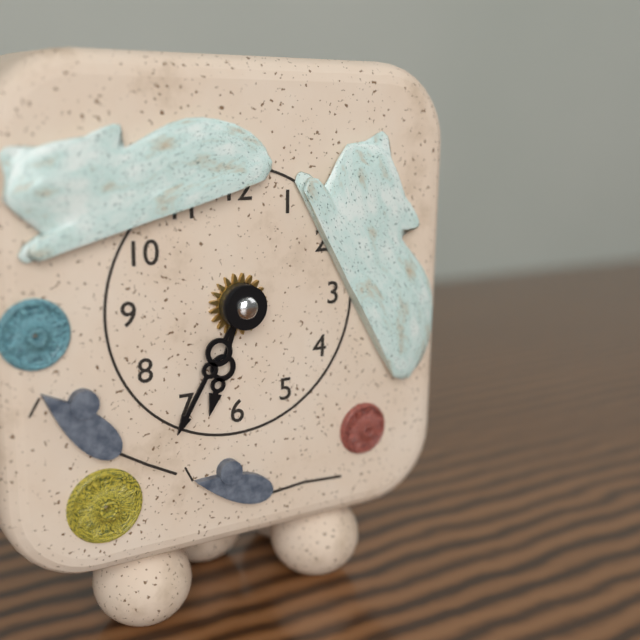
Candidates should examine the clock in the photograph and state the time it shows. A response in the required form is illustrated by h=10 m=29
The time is h=6 m=35
